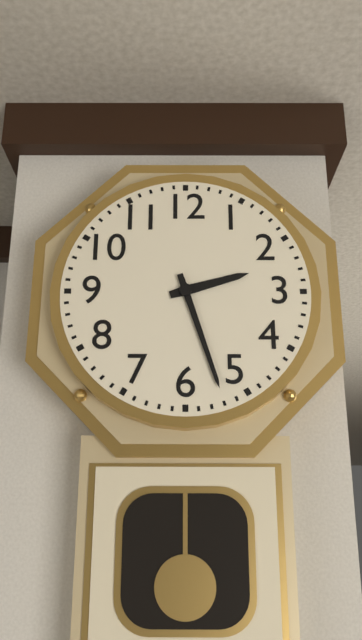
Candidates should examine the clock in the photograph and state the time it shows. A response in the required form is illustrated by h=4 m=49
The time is h=2 m=27
